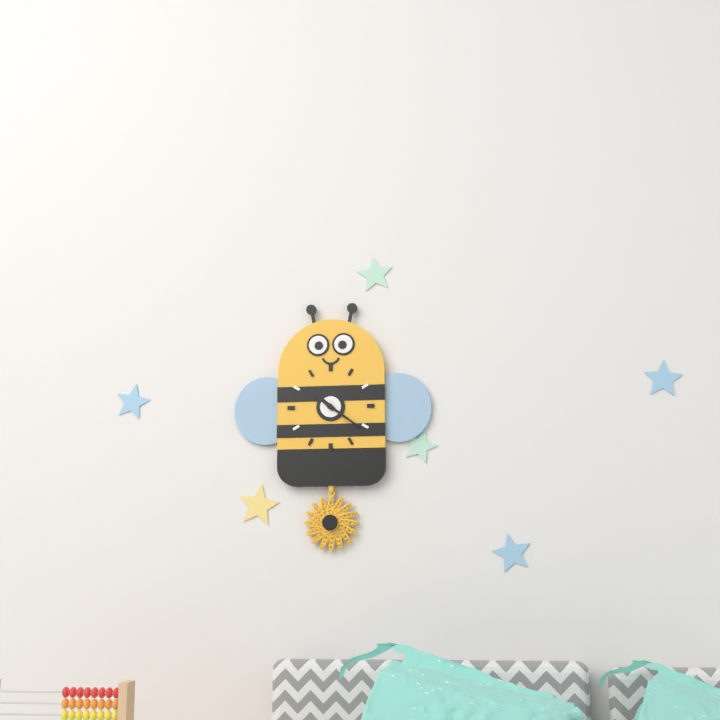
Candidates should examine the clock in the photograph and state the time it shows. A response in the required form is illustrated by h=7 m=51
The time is h=10 m=21
